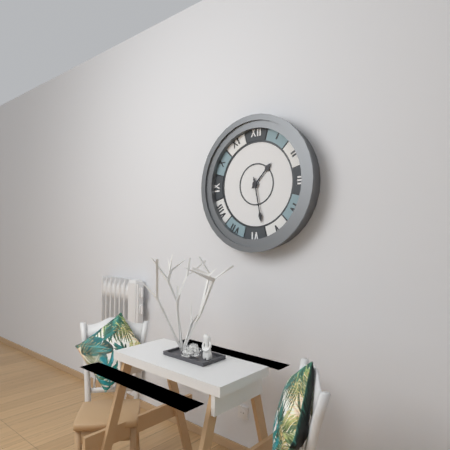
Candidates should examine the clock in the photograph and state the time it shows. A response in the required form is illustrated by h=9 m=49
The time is h=1 m=28
